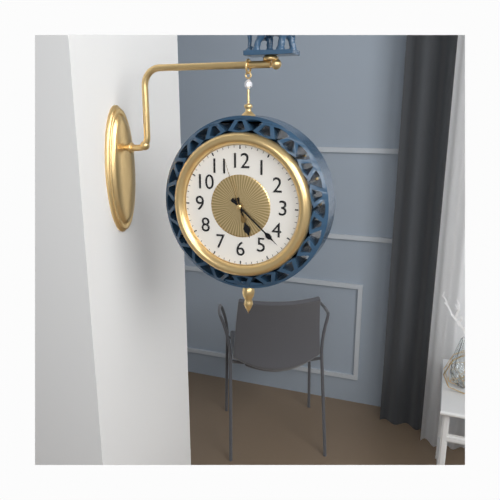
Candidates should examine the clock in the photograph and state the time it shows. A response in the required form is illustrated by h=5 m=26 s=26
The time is h=5 m=22 s=57
